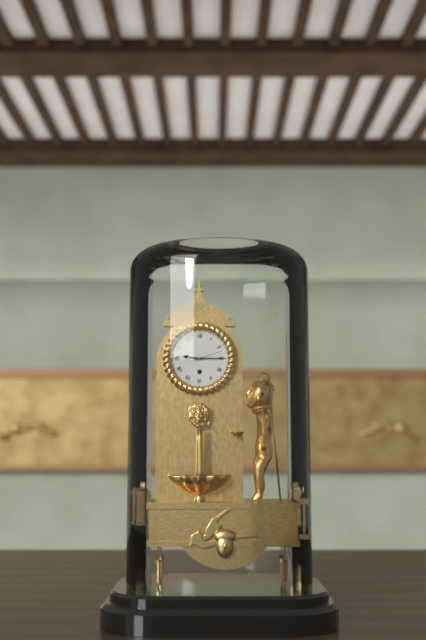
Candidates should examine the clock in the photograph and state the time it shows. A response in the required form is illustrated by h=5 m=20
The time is h=9 m=15
